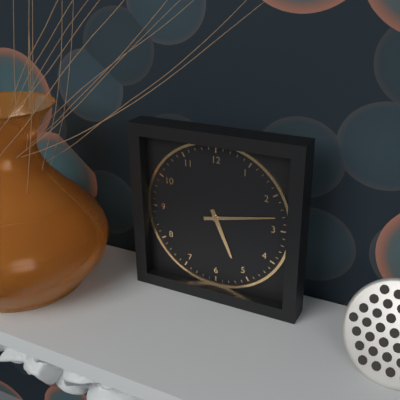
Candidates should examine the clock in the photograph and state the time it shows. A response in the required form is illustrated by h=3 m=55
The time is h=5 m=13
